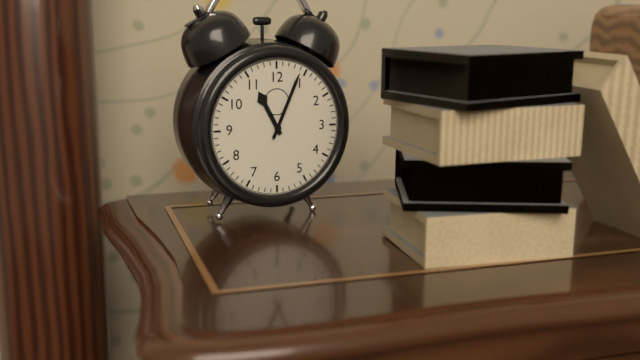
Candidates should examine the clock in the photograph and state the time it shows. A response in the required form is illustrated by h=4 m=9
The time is h=11 m=4
